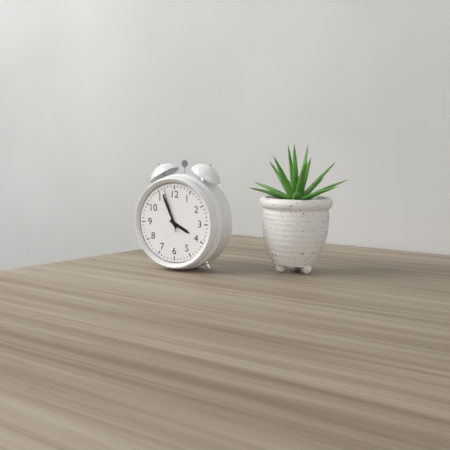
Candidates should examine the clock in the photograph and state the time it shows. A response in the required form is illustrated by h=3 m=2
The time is h=3 m=56
